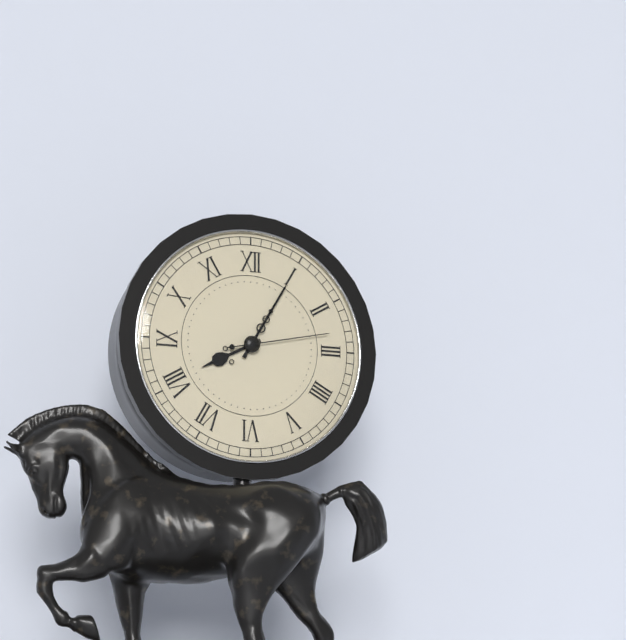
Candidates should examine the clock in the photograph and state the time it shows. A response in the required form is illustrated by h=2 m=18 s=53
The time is h=8 m=5 s=13
